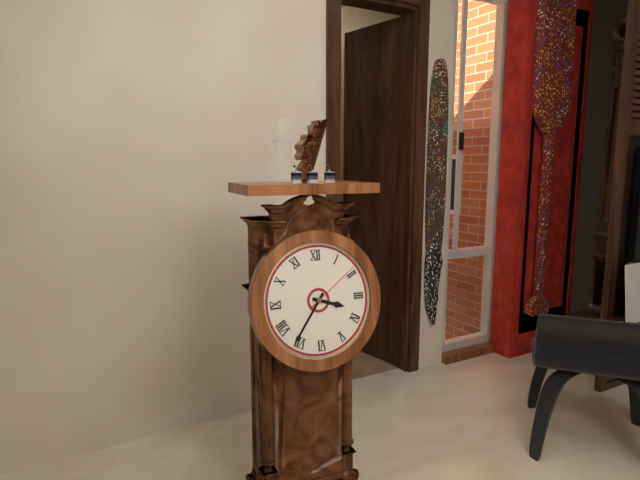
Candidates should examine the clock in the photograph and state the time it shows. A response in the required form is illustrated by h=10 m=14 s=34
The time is h=3 m=36 s=9
